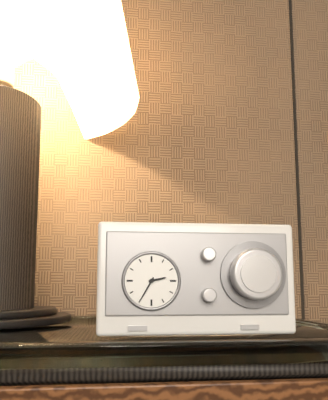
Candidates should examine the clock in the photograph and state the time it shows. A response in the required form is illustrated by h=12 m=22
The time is h=2 m=35
